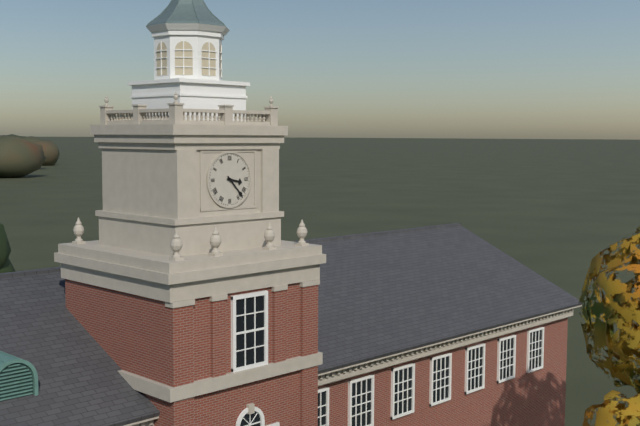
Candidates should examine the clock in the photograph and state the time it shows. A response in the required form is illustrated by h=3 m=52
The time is h=3 m=23
